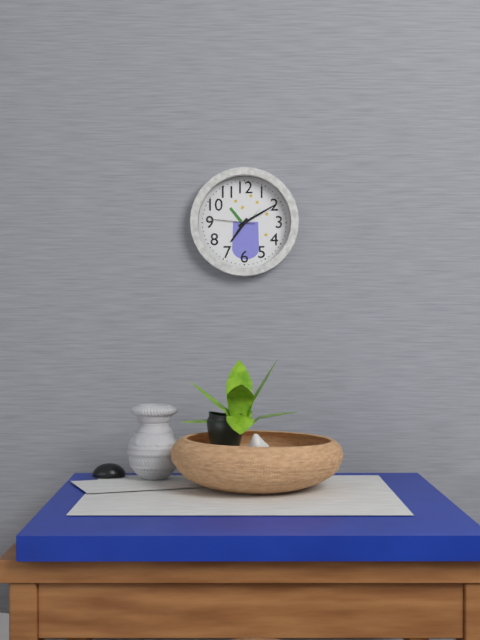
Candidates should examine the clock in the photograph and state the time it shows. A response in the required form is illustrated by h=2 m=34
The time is h=7 m=10
